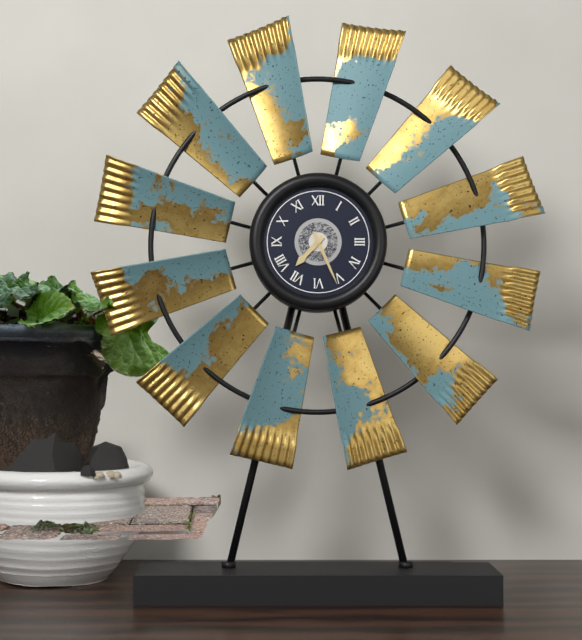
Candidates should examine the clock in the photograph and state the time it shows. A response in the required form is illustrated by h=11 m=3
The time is h=7 m=26
